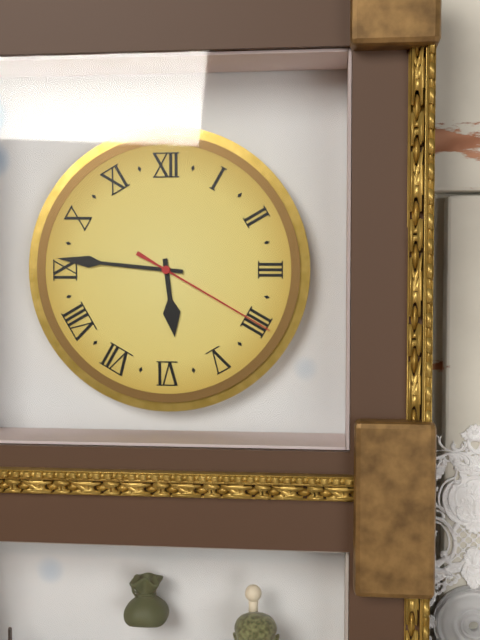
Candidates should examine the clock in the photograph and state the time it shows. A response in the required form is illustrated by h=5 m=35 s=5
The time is h=5 m=46 s=20
